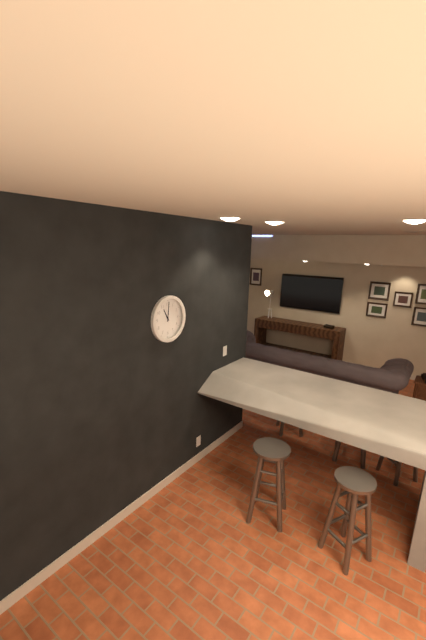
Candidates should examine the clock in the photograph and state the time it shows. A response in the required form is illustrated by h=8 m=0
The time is h=11 m=1
